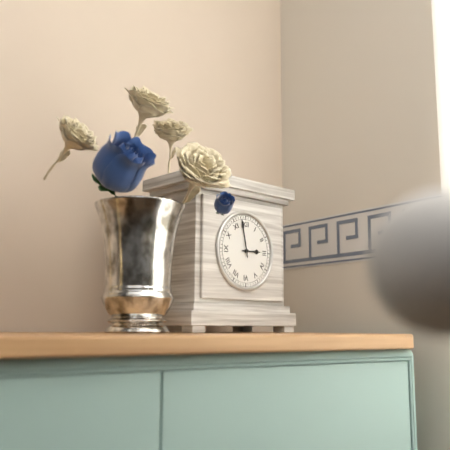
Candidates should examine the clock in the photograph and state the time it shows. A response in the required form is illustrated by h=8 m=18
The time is h=2 m=58
